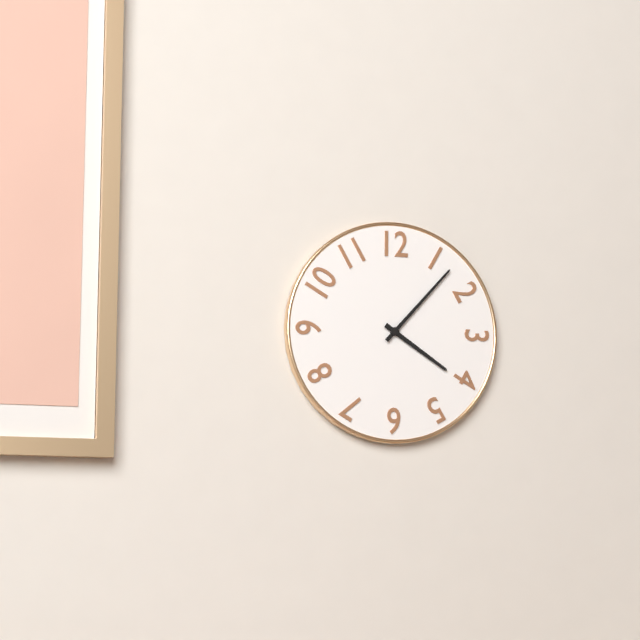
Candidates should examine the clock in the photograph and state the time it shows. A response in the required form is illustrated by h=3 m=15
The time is h=4 m=7
